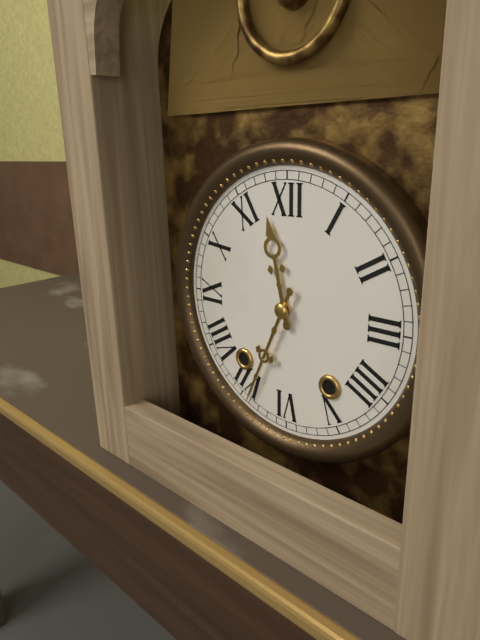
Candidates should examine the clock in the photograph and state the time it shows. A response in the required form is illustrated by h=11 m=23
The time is h=11 m=34
